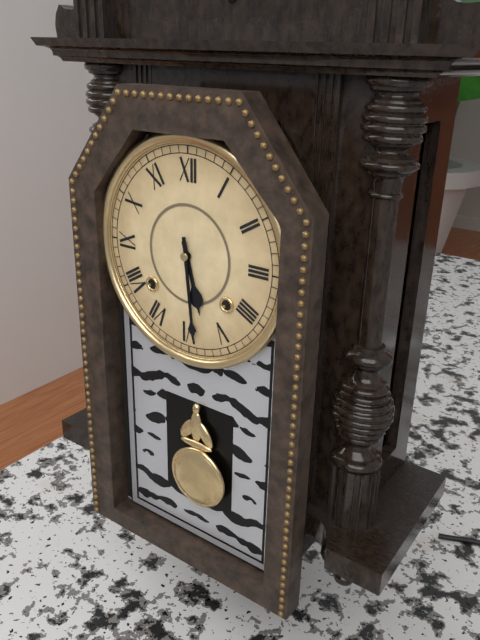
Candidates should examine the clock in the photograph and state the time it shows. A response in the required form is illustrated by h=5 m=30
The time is h=5 m=29
